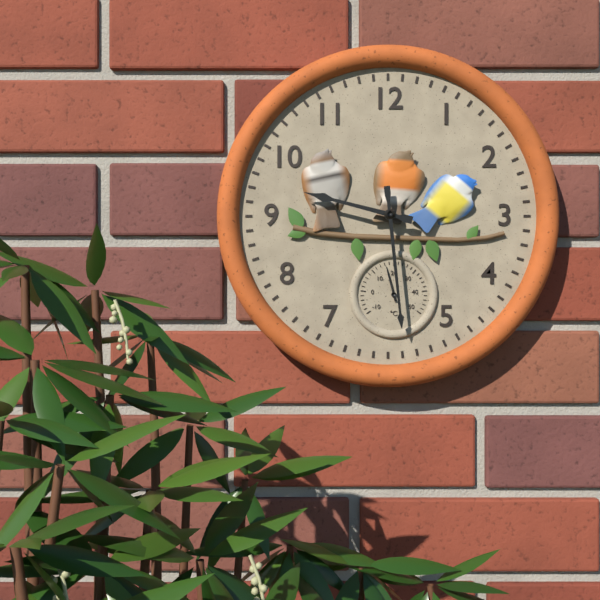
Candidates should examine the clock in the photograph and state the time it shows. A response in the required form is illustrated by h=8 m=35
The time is h=9 m=29
